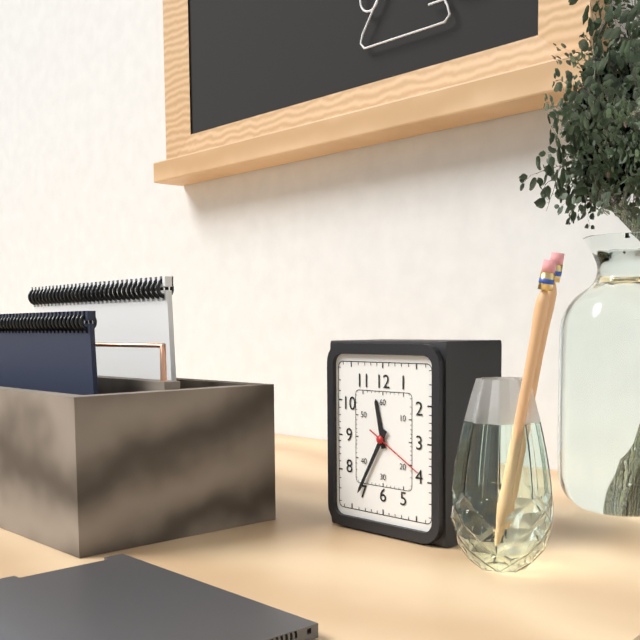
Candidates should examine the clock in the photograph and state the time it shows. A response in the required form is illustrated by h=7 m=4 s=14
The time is h=11 m=35 s=20
